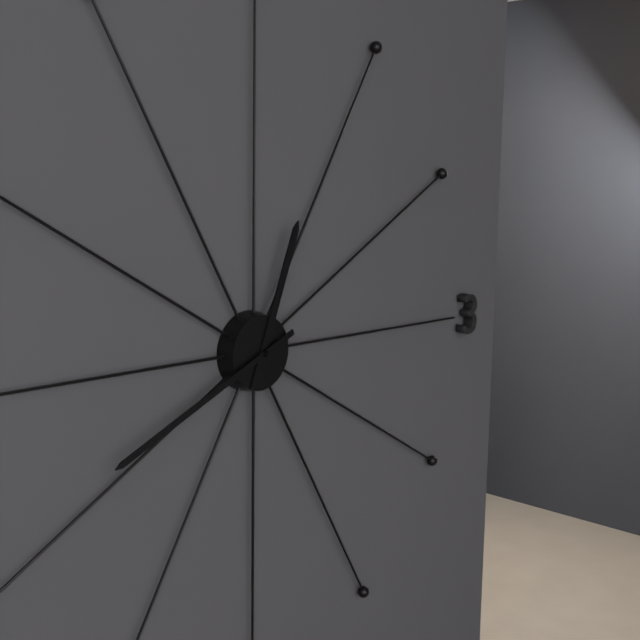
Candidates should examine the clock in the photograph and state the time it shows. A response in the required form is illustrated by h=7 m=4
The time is h=12 m=41
